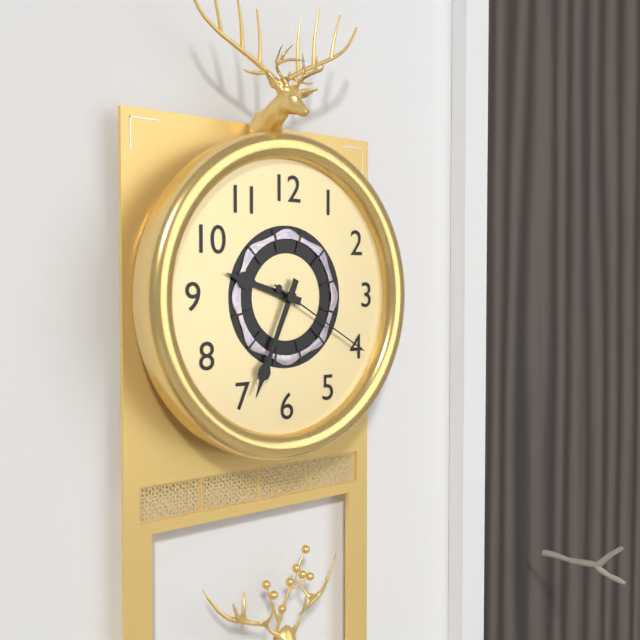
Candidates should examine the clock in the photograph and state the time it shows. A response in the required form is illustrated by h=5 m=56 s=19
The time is h=9 m=34 s=20
